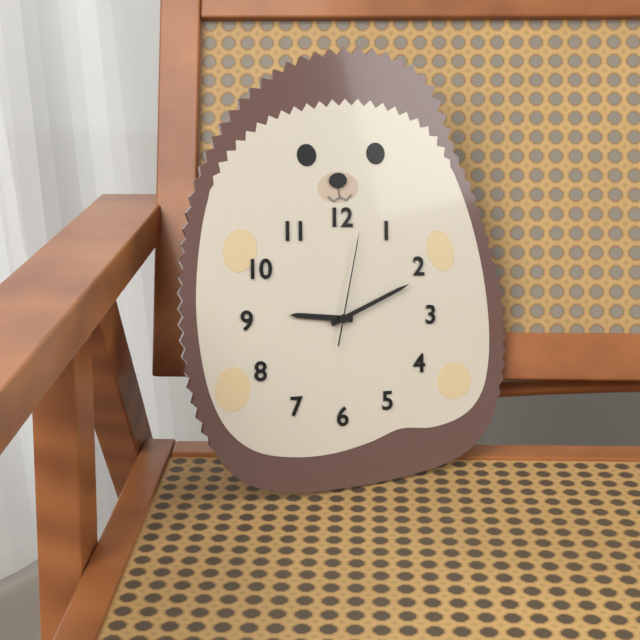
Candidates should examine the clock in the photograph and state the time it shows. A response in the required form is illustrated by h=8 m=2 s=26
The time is h=9 m=11 s=2
